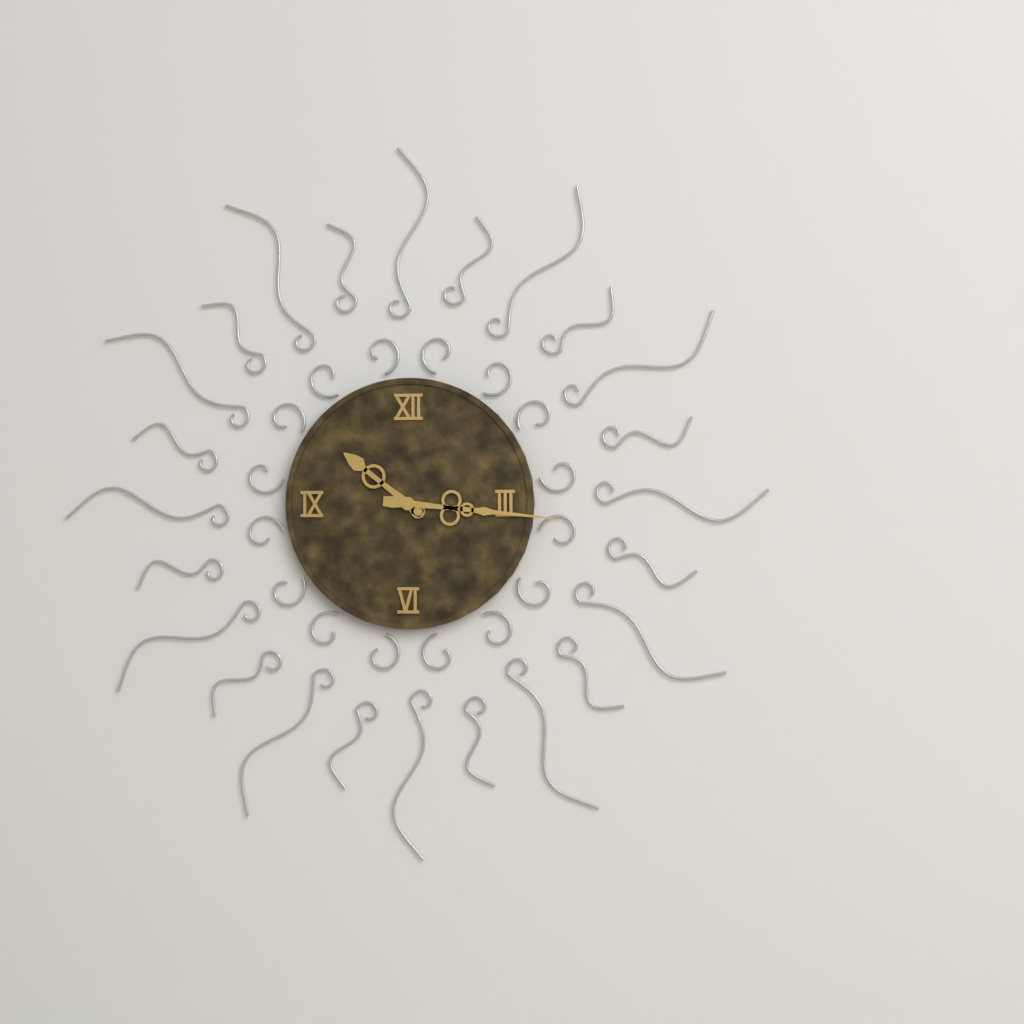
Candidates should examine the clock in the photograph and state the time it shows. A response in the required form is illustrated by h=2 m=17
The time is h=10 m=16
